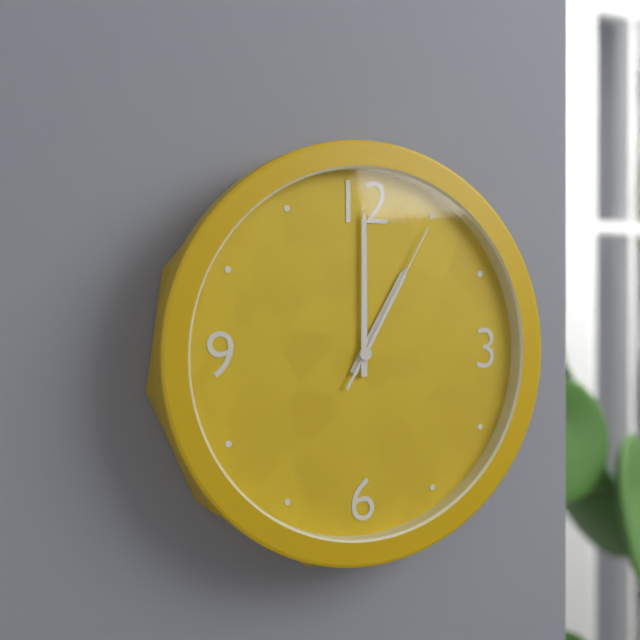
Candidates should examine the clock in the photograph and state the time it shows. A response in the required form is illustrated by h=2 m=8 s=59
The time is h=1 m=0 s=5
